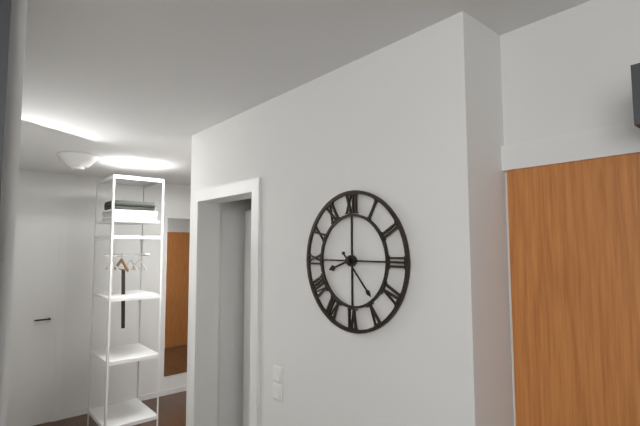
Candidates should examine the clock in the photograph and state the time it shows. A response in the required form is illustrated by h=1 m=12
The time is h=8 m=23
